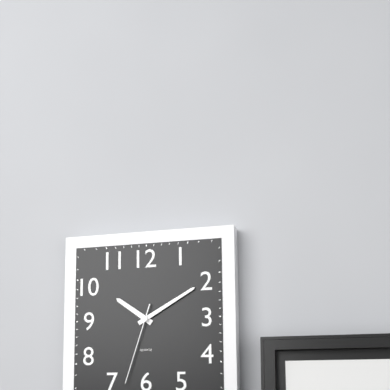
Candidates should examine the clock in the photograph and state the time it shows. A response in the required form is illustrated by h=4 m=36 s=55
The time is h=10 m=10 s=33
